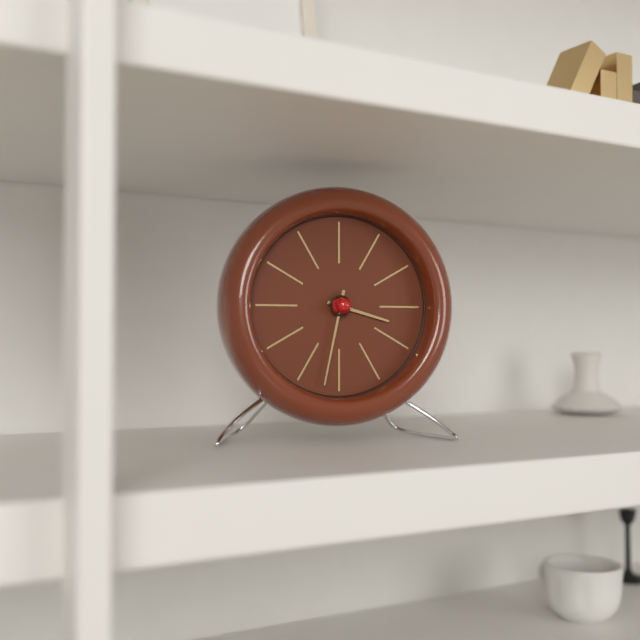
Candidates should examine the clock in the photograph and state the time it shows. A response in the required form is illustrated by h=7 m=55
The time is h=3 m=32
